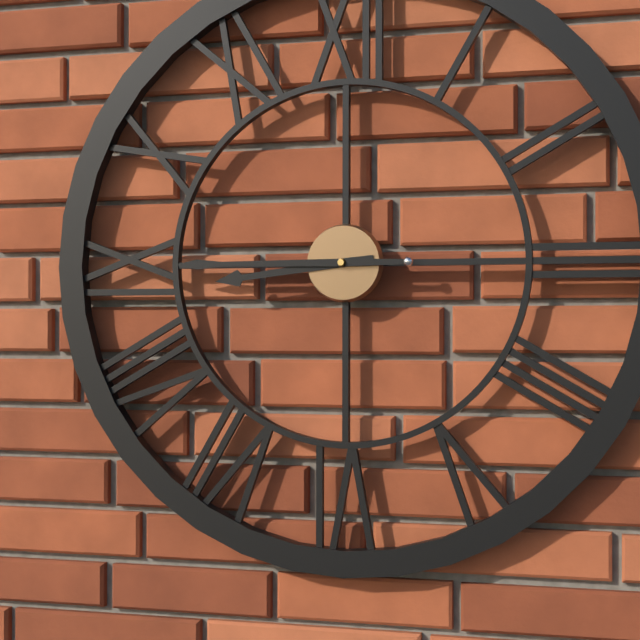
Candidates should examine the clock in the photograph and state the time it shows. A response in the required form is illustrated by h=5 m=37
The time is h=8 m=45
